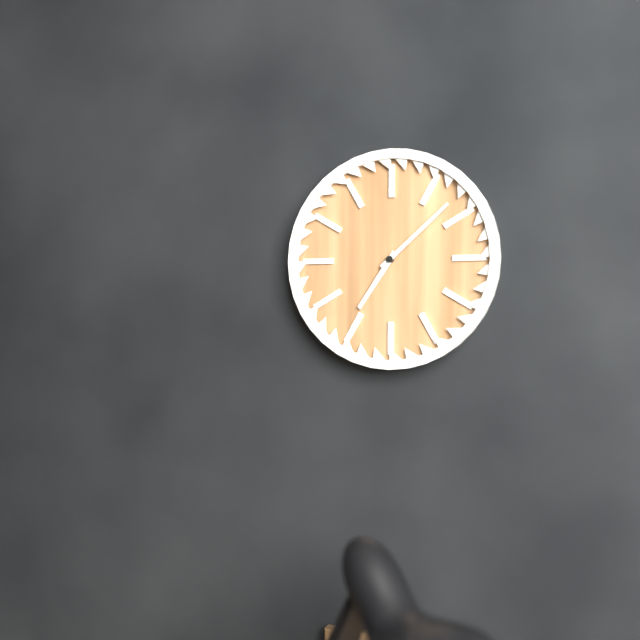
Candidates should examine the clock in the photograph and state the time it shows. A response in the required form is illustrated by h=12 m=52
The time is h=7 m=8
